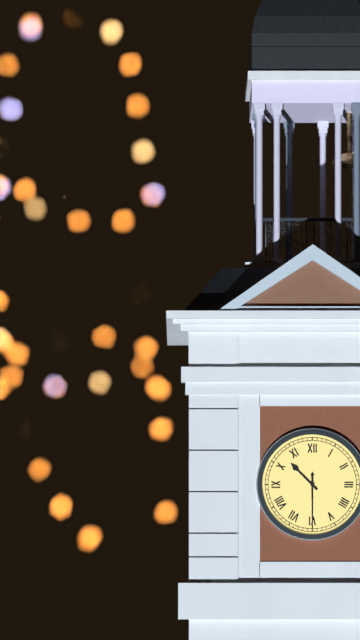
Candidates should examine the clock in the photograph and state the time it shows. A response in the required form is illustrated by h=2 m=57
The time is h=10 m=30
